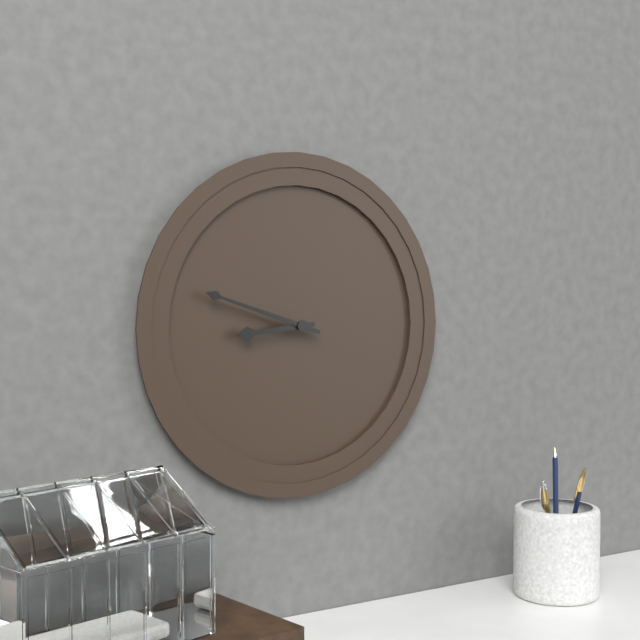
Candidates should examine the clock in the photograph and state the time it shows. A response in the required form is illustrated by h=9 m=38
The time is h=8 m=48
